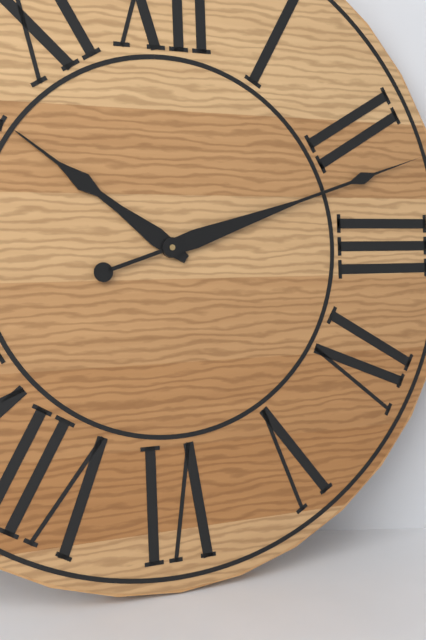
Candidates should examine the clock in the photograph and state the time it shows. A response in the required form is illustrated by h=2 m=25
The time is h=10 m=12
